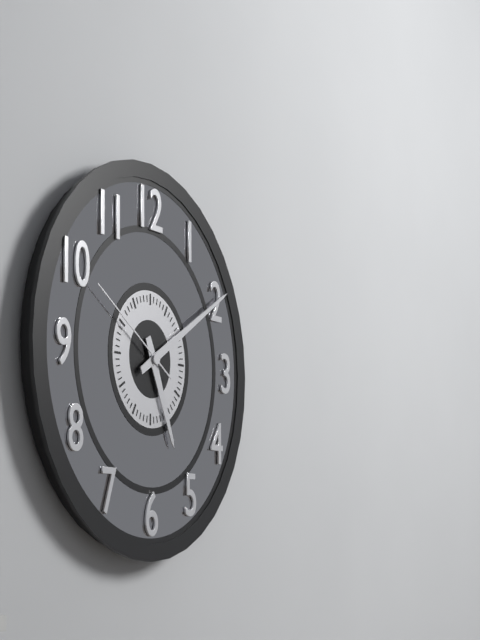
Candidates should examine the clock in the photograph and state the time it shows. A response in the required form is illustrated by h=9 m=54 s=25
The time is h=5 m=10 s=50
